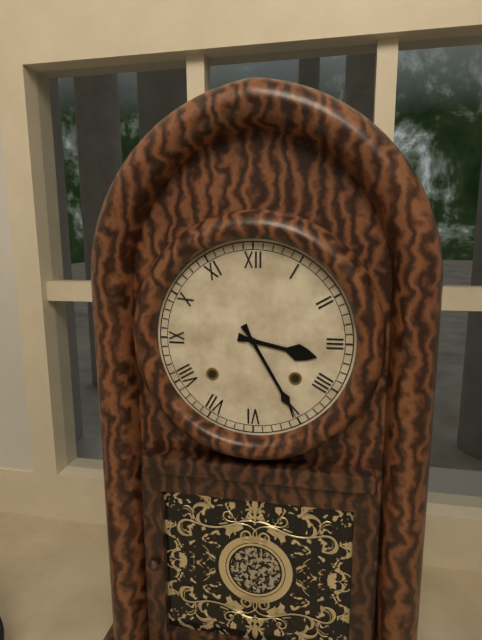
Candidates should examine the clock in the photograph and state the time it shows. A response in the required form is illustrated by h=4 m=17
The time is h=3 m=25
